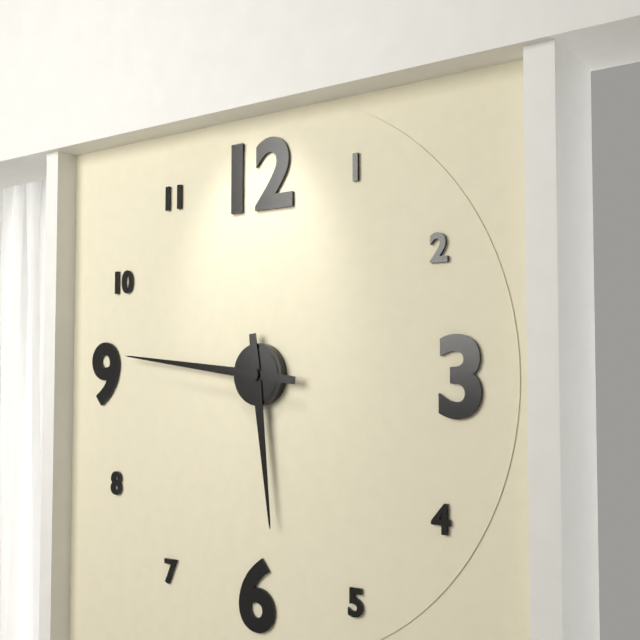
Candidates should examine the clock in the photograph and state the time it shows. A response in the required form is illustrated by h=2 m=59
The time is h=5 m=46
